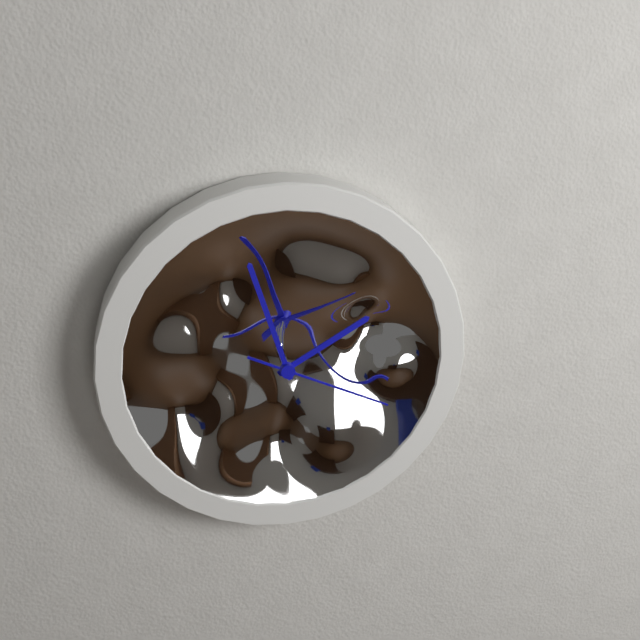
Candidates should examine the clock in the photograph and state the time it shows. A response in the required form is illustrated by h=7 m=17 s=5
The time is h=1 m=57 s=19
